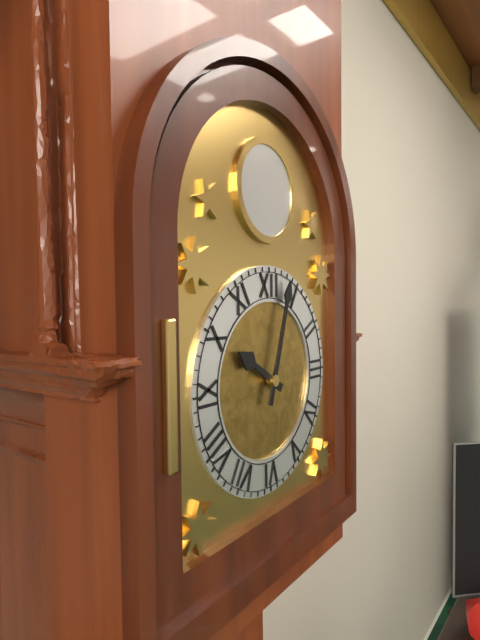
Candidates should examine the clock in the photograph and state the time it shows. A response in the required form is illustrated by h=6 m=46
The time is h=10 m=3
